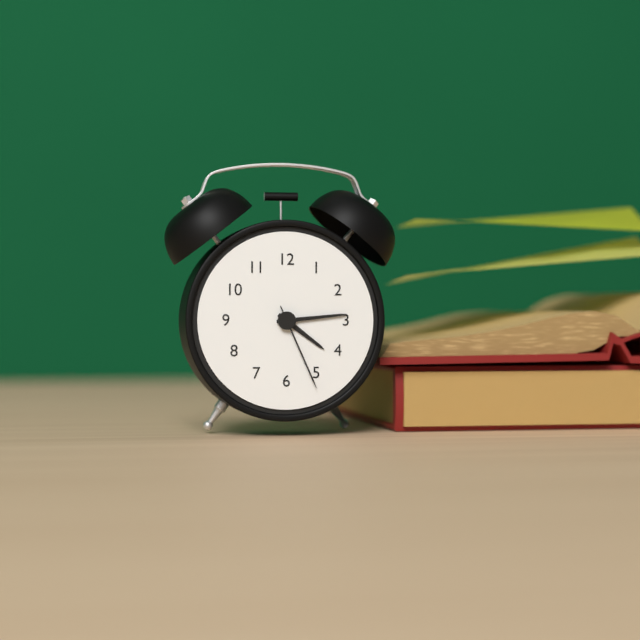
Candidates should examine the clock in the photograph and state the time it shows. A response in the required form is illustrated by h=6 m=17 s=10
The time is h=4 m=14 s=26
